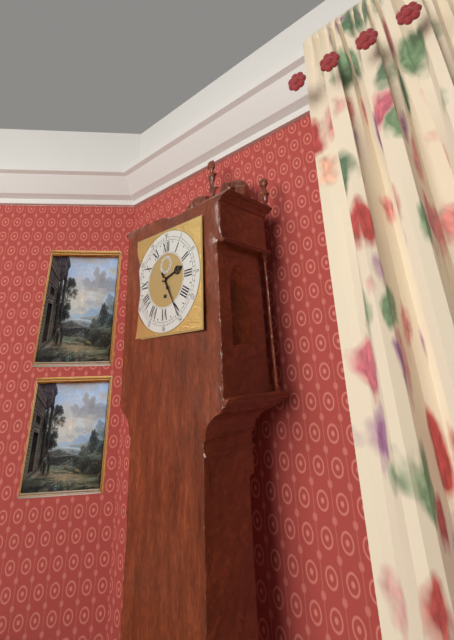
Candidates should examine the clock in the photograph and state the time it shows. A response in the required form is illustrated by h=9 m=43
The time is h=2 m=25
